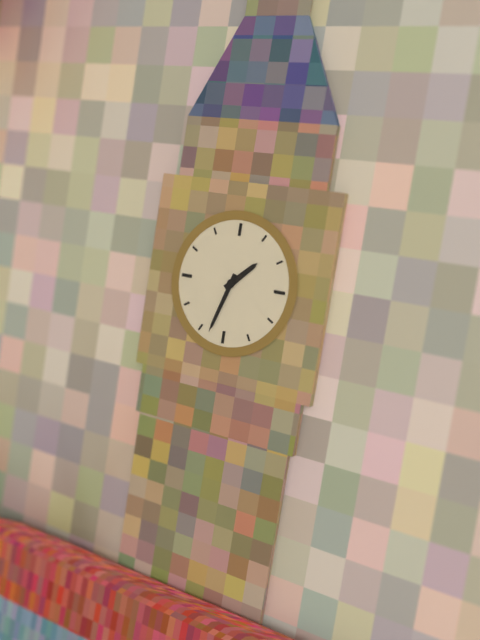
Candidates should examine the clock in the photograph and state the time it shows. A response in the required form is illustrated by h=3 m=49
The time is h=1 m=33
